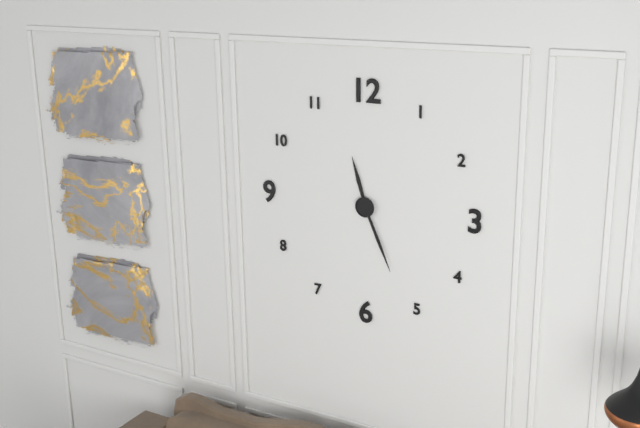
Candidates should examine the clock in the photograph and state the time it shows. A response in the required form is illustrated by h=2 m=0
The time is h=11 m=26
